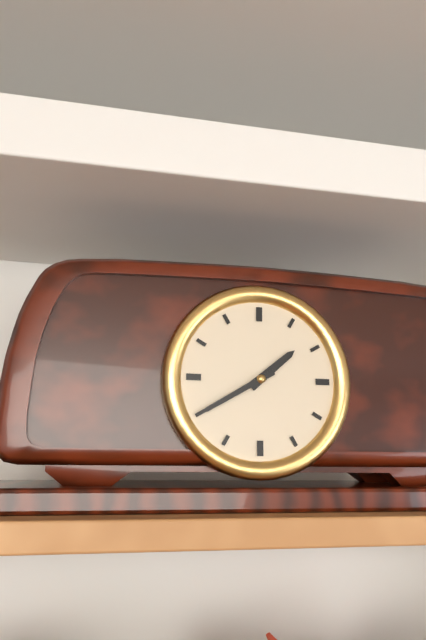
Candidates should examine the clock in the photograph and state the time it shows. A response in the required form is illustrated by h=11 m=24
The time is h=1 m=40
